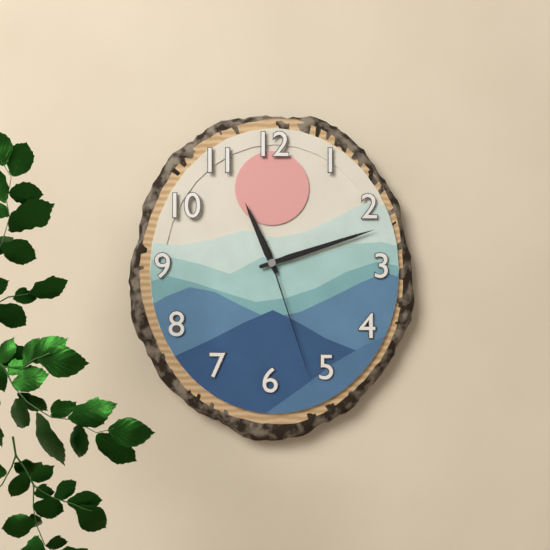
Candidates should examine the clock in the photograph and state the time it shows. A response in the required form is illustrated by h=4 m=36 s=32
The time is h=11 m=12 s=27
